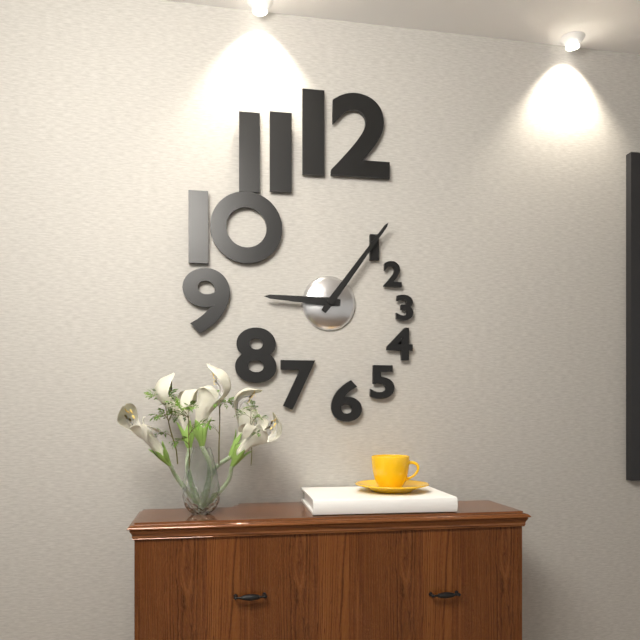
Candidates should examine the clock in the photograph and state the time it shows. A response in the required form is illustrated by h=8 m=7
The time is h=9 m=6
